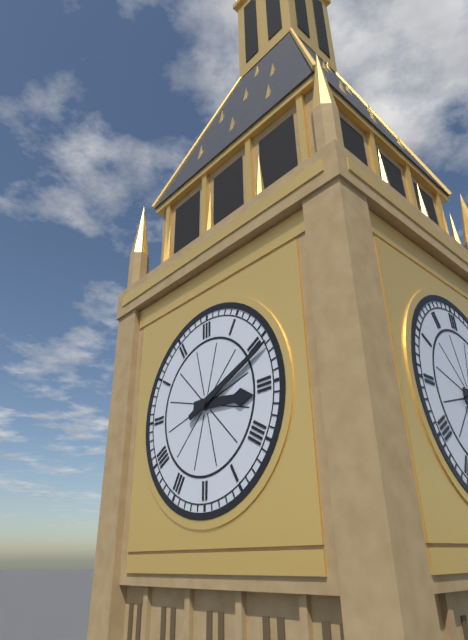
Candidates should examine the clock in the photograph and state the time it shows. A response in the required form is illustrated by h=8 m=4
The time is h=3 m=11
